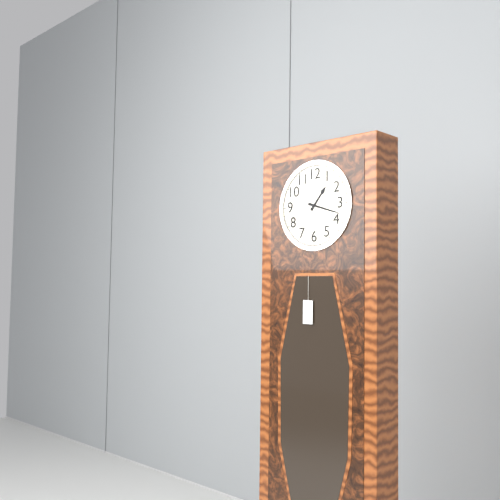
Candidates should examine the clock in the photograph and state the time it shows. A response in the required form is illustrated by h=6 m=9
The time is h=1 m=18
